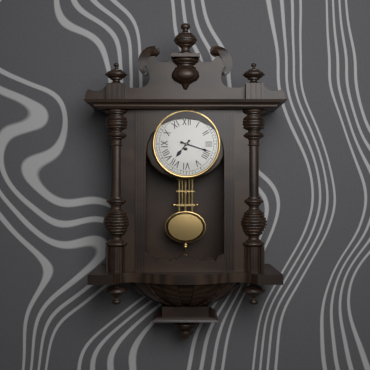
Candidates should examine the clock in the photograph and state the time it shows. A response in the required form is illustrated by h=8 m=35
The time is h=7 m=18
